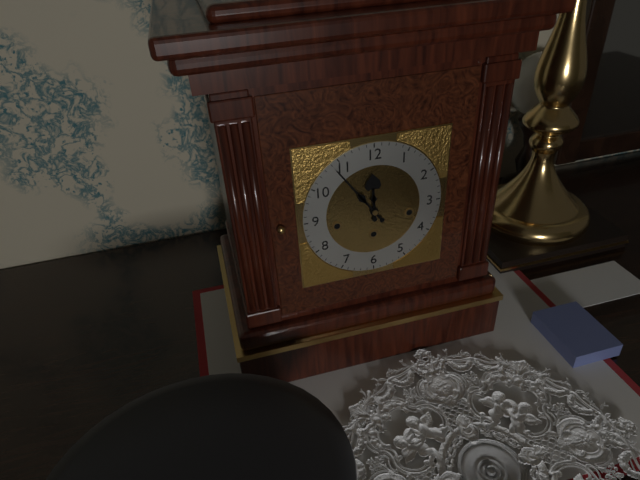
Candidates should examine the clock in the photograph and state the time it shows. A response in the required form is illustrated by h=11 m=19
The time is h=11 m=54
